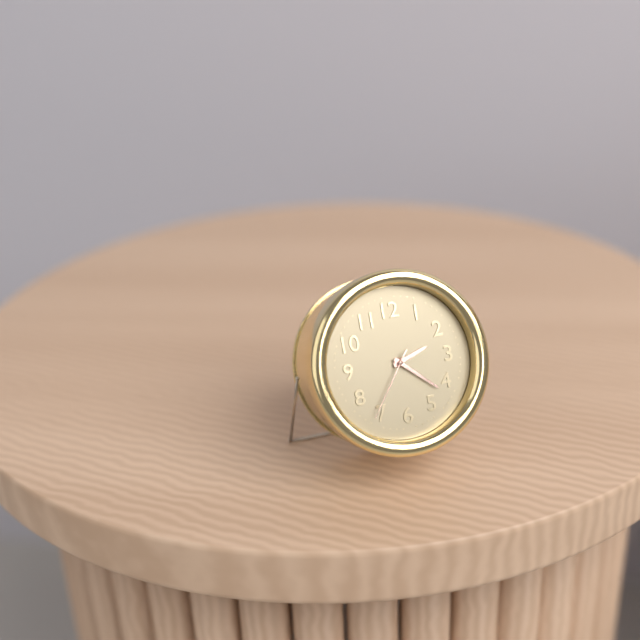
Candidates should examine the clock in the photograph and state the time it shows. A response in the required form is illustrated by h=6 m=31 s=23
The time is h=2 m=22 s=36
